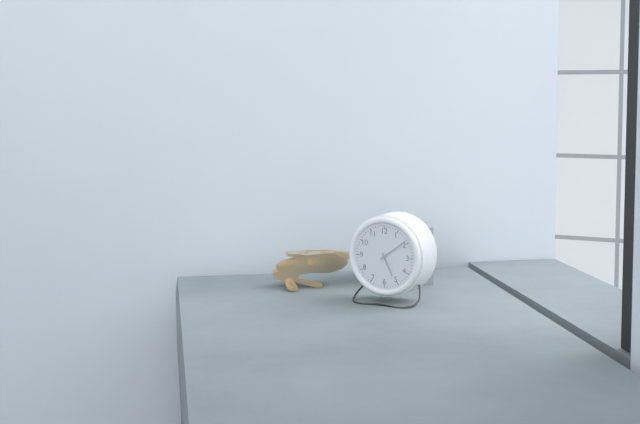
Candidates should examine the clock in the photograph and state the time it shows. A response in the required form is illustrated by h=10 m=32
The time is h=5 m=9
